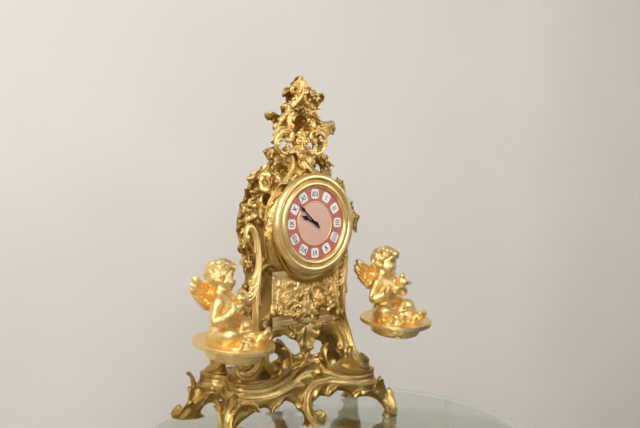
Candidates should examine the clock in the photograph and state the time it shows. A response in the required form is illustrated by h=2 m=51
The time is h=9 m=52
